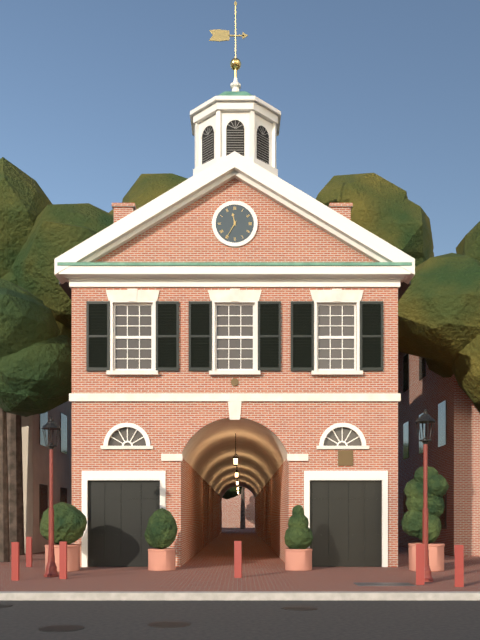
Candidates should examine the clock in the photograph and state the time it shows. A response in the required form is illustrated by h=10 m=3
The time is h=11 m=35
